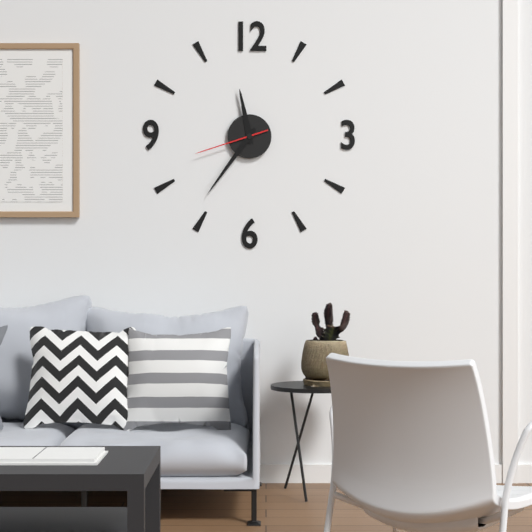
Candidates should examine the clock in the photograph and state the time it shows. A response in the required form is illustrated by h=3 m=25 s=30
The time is h=11 m=36 s=42
